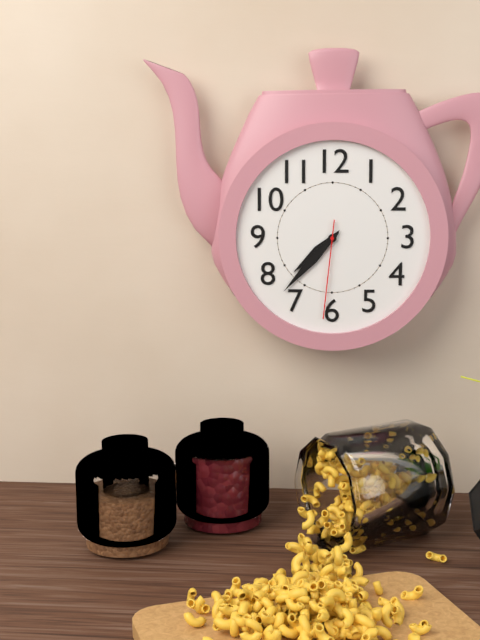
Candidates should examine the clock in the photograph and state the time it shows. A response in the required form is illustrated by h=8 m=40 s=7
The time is h=7 m=37 s=31
